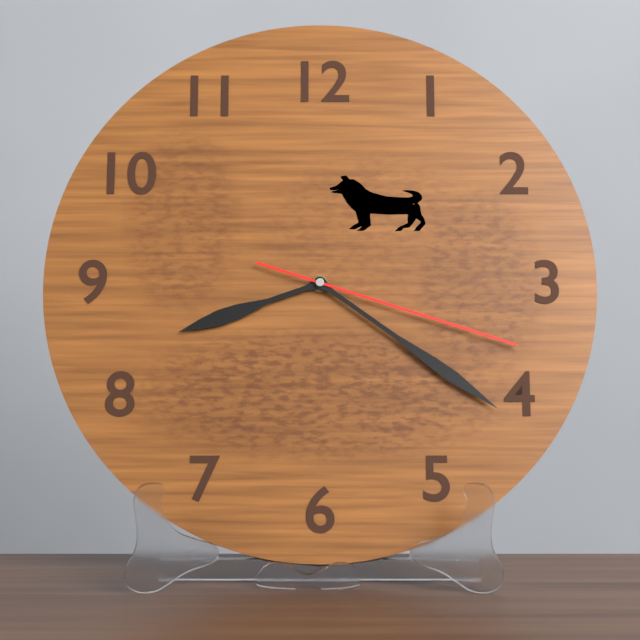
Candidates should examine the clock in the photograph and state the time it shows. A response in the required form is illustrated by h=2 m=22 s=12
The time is h=8 m=21 s=18
